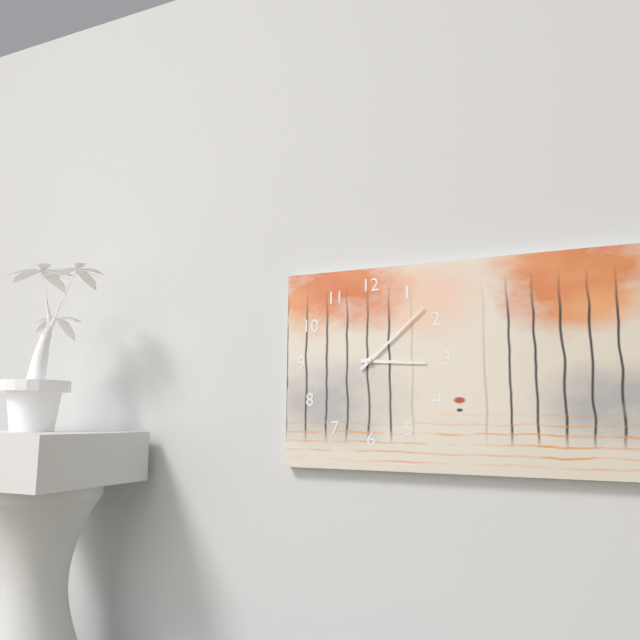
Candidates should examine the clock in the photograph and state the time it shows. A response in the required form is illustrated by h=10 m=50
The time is h=3 m=8
